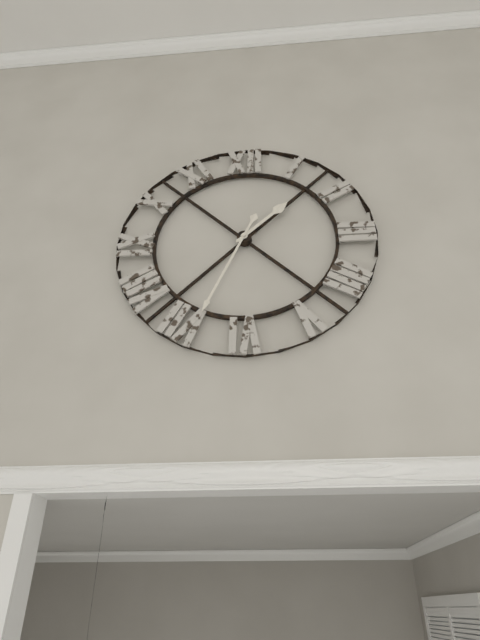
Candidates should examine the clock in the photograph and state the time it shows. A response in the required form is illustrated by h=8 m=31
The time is h=1 m=34
